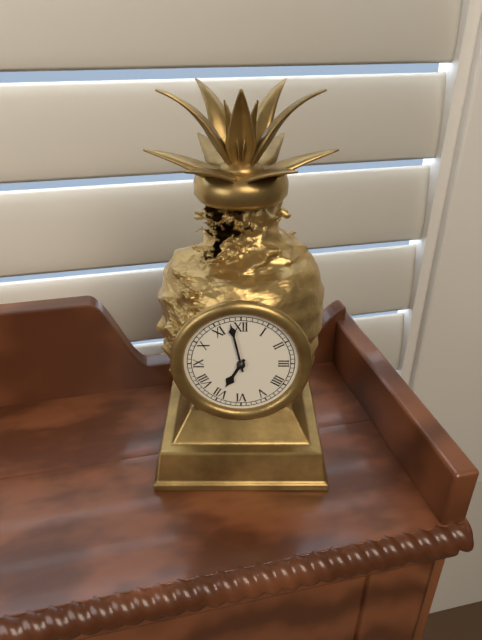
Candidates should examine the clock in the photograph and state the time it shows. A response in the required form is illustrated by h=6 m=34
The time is h=6 m=58
